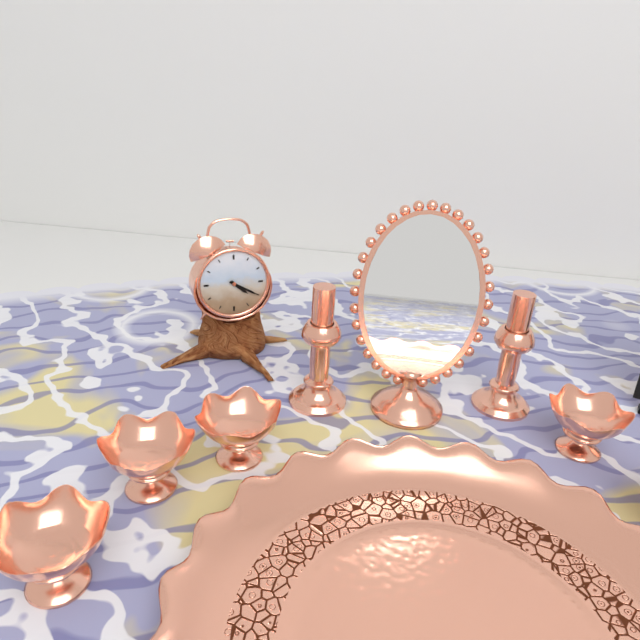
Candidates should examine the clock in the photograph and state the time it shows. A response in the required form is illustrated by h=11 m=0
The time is h=4 m=20
